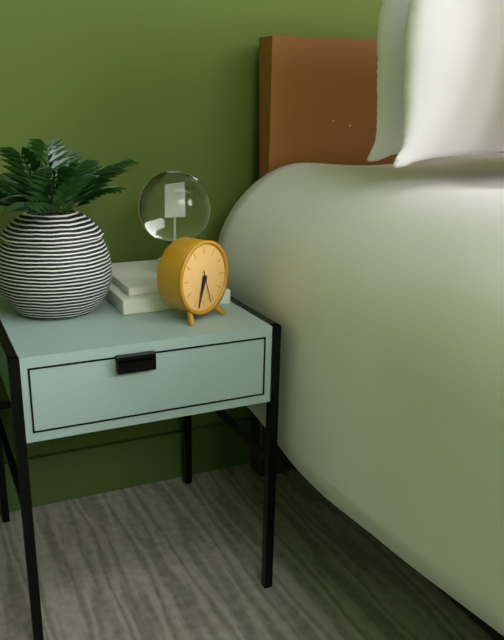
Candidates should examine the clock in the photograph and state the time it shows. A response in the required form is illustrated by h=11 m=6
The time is h=6 m=33
